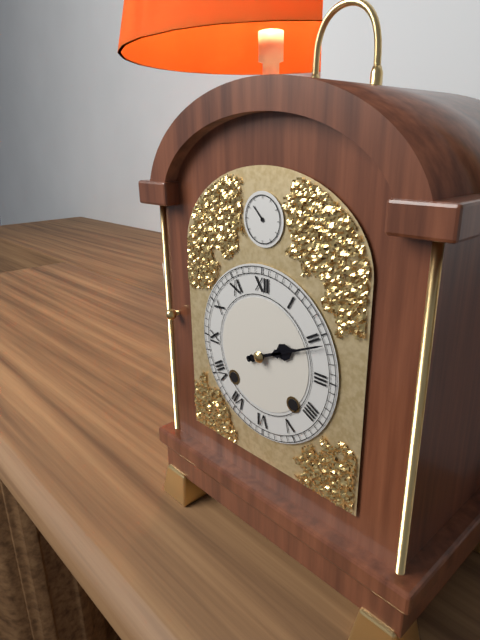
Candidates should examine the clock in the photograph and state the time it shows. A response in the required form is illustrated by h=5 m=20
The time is h=2 m=11
